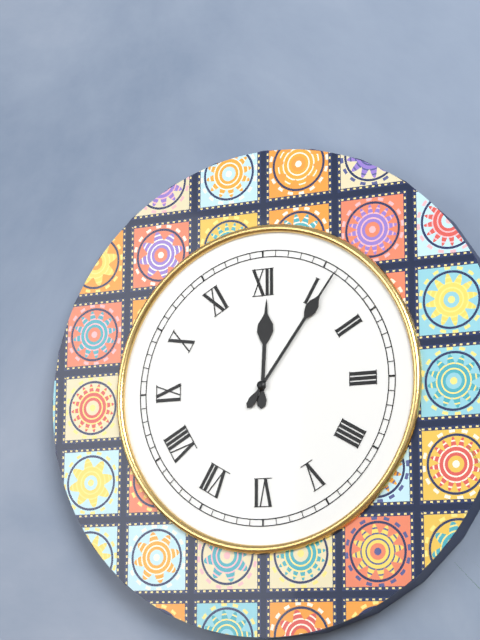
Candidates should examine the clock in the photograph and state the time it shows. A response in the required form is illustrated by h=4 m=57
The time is h=12 m=6
